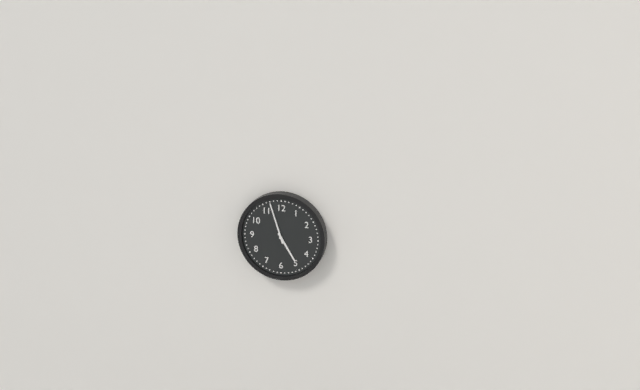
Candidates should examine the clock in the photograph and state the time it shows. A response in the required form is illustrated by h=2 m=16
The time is h=4 m=57
